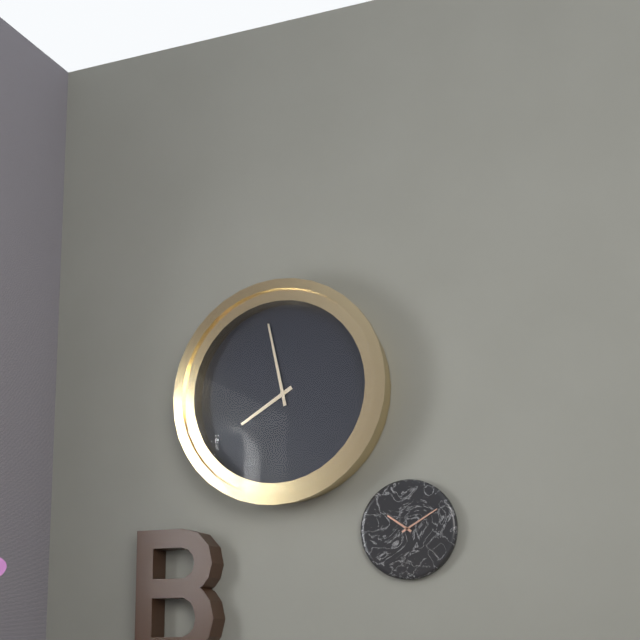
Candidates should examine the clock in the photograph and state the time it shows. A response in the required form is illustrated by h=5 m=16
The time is h=7 m=58
